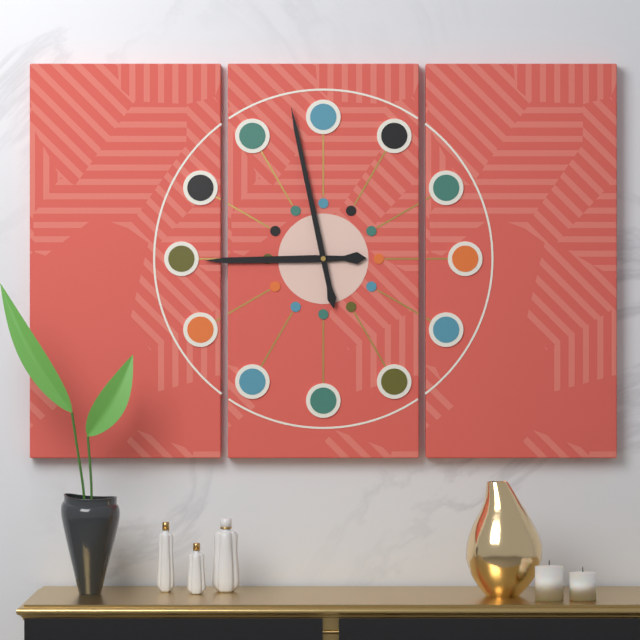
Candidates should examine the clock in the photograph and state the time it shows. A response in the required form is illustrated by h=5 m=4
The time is h=8 m=58
